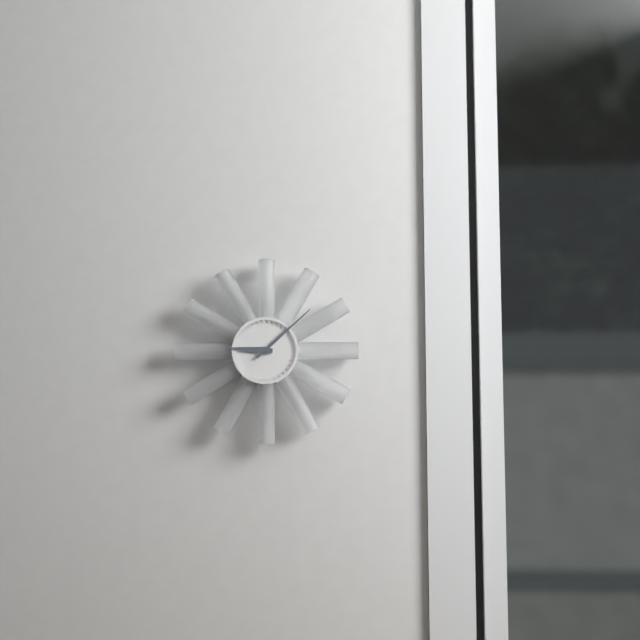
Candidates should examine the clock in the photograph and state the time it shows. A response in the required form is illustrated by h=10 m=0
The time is h=9 m=8
